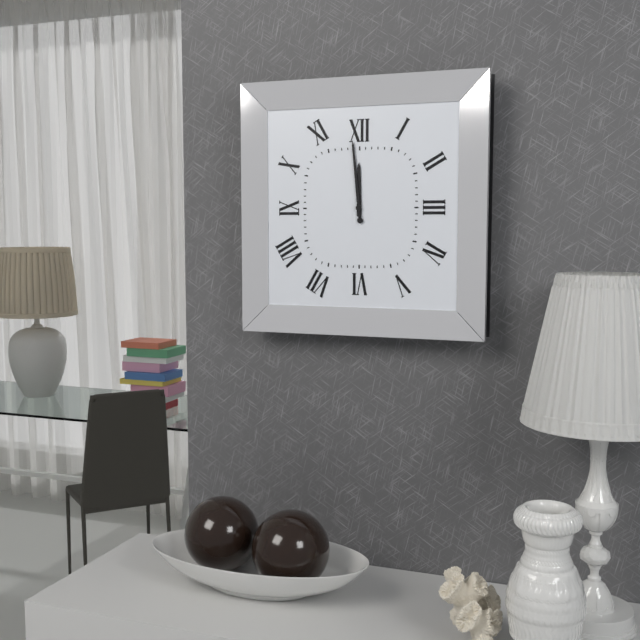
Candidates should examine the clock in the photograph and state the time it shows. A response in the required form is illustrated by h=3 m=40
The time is h=11 m=59
